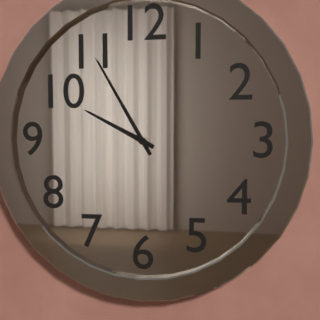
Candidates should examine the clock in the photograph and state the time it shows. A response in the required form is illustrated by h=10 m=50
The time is h=9 m=55
